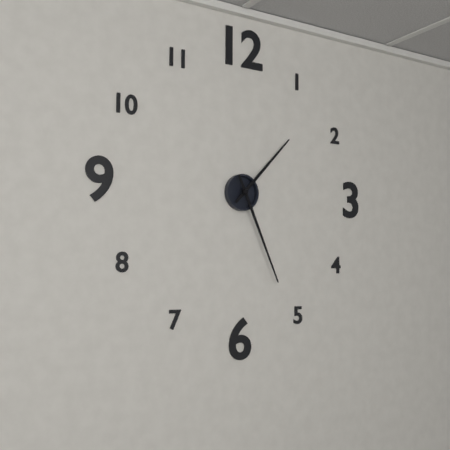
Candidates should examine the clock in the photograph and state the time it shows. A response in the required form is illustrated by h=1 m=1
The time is h=1 m=26
